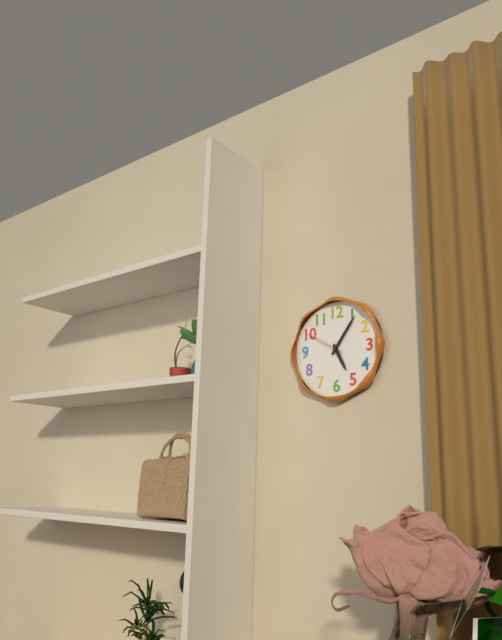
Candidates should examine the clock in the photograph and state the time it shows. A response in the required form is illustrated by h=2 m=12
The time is h=5 m=6
